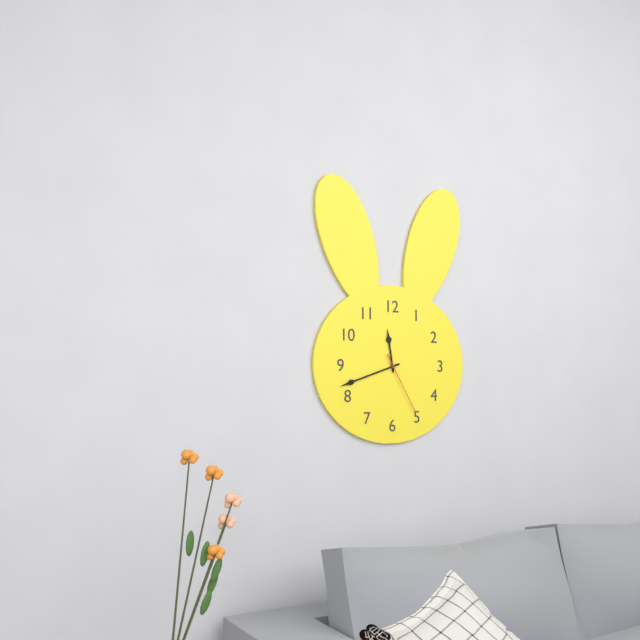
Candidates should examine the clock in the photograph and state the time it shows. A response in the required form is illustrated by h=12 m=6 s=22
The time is h=11 m=42 s=25
